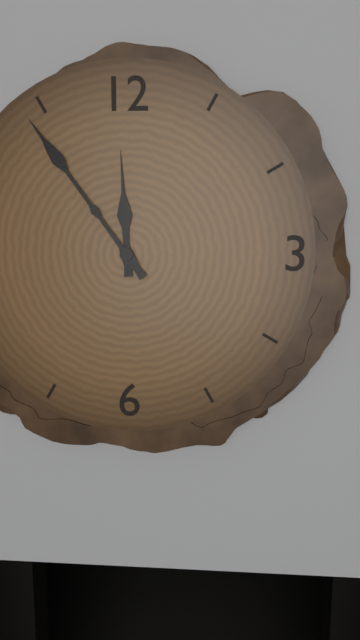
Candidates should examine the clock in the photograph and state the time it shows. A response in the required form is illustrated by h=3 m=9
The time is h=11 m=54
